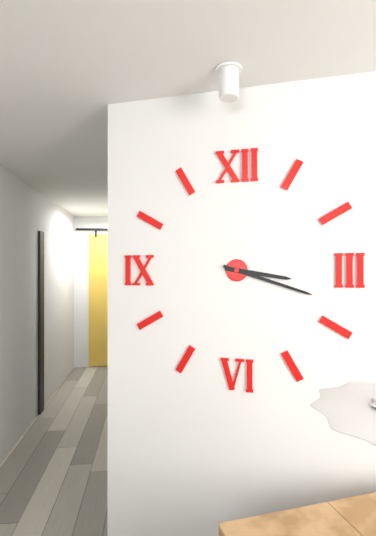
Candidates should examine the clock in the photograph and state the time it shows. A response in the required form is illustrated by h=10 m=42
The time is h=3 m=18
